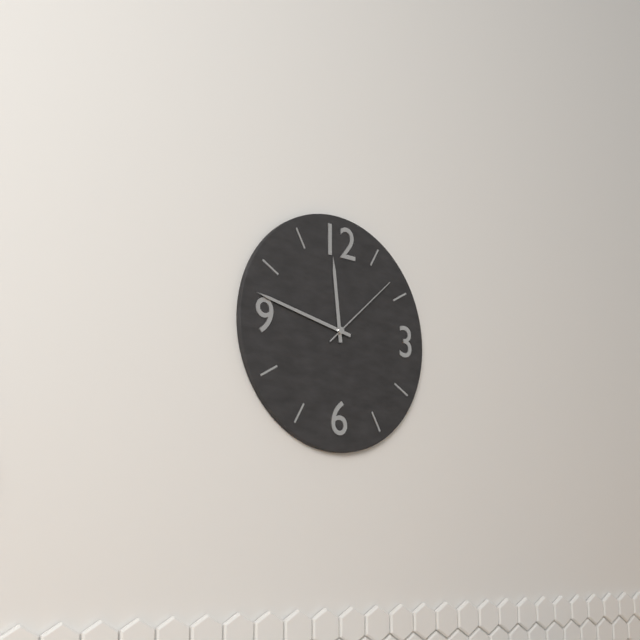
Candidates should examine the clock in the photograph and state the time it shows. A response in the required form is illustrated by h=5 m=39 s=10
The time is h=11 m=47 s=8
